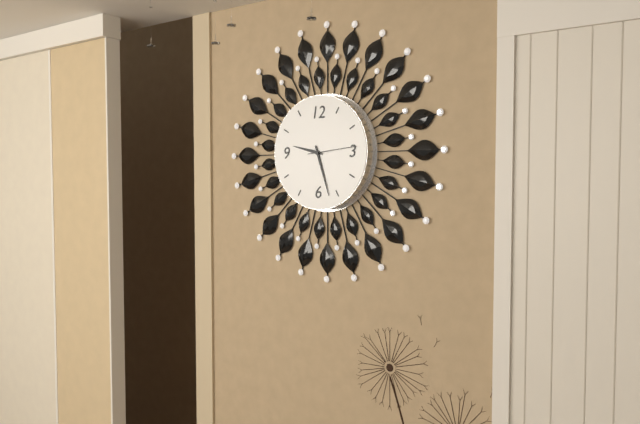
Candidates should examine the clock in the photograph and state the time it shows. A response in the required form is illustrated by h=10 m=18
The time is h=9 m=27
